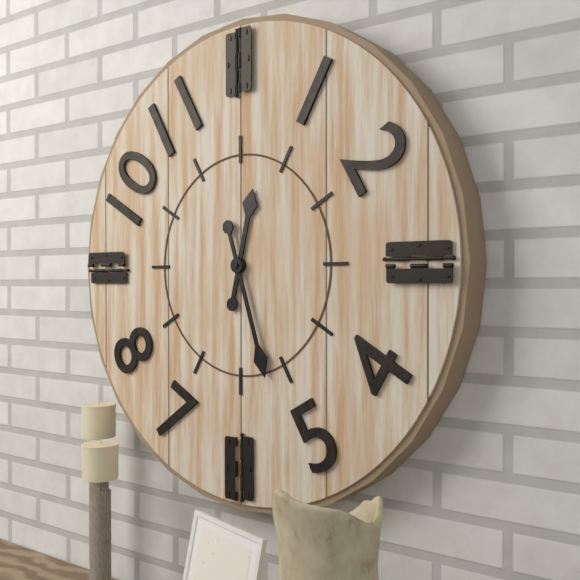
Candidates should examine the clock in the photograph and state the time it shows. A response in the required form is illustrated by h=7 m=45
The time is h=12 m=27
